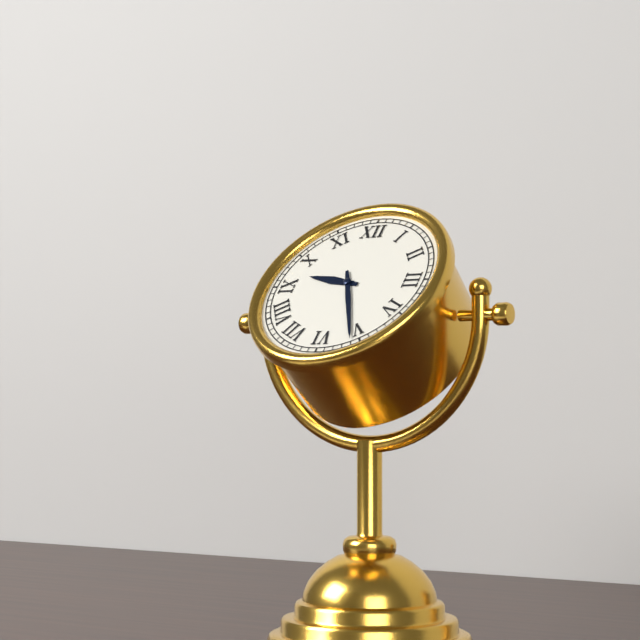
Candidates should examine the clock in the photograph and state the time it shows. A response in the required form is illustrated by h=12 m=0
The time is h=9 m=26
